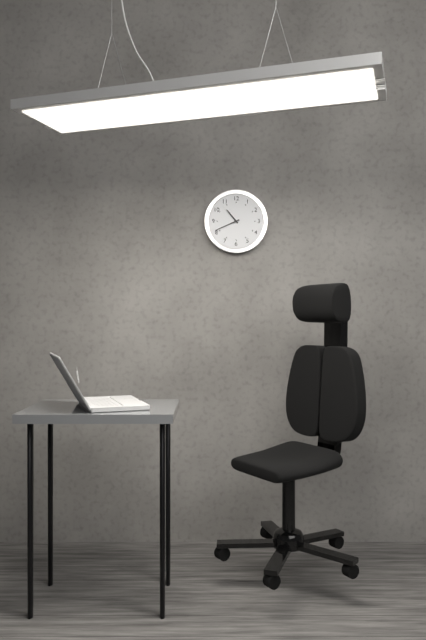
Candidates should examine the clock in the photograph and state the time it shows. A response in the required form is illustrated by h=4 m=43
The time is h=10 m=41
